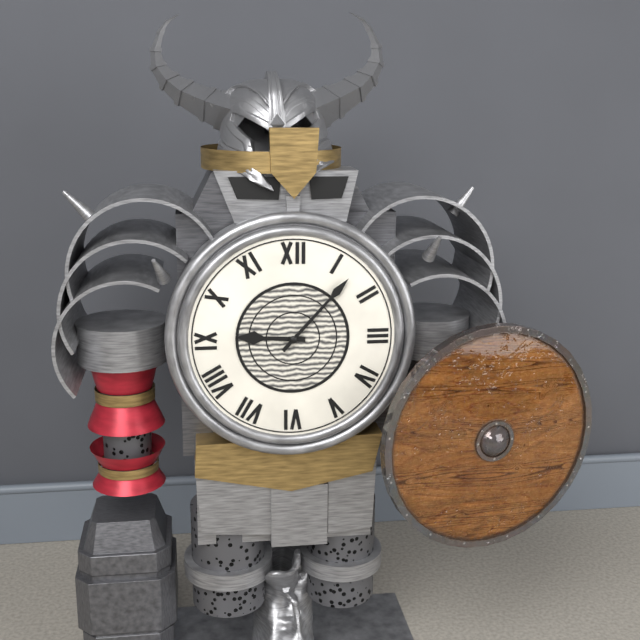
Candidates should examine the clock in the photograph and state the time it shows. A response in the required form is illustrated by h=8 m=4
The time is h=9 m=7
